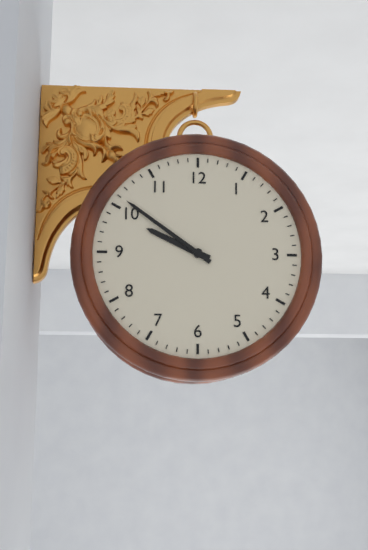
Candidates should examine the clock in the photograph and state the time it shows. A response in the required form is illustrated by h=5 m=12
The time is h=9 m=51
